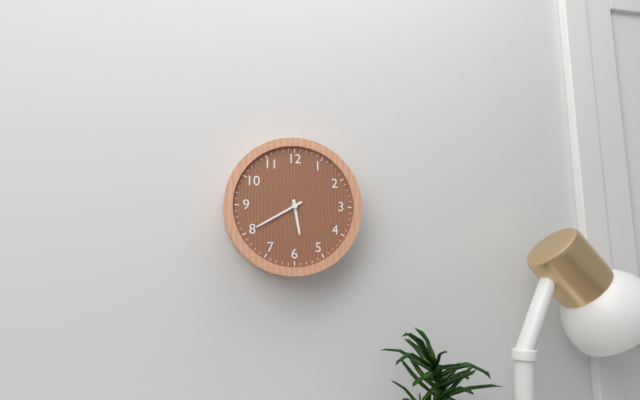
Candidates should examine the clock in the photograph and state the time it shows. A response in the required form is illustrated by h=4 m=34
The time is h=5 m=40
